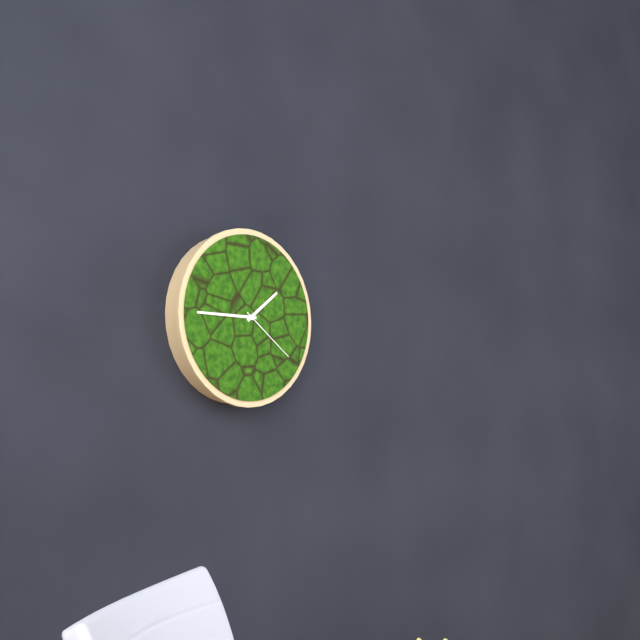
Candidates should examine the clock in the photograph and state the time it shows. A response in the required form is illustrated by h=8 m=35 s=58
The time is h=1 m=45 s=21
